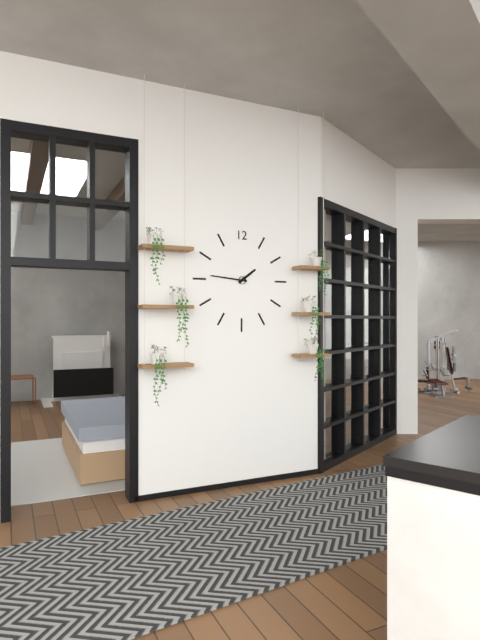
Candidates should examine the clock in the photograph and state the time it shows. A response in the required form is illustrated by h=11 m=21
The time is h=1 m=46
